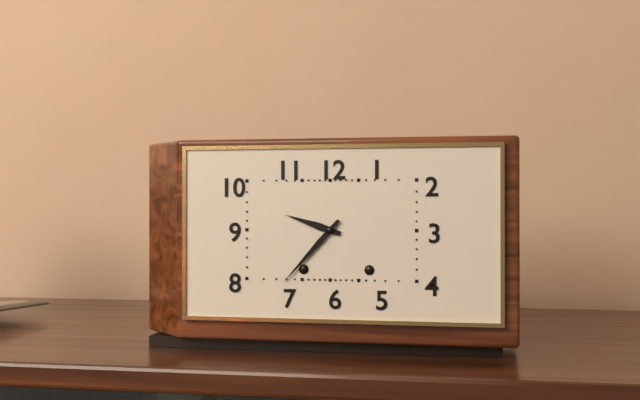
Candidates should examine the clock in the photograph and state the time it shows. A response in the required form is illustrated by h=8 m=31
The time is h=9 m=37
